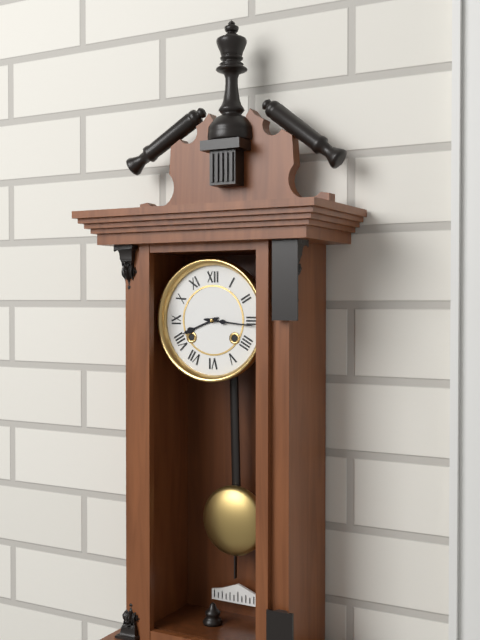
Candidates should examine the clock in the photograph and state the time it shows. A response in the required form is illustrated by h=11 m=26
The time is h=8 m=16
